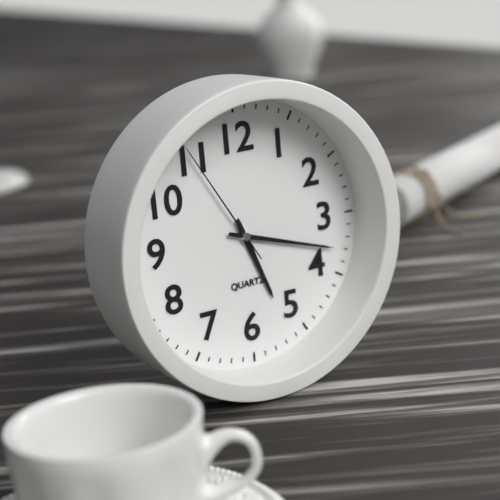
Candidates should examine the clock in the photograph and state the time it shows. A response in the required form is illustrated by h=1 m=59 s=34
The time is h=5 m=18 s=55
